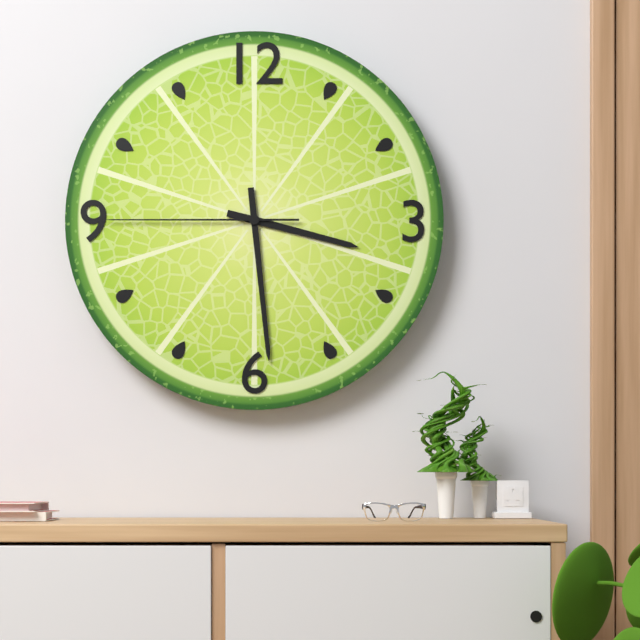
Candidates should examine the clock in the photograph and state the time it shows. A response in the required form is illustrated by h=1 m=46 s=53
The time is h=3 m=29 s=45
